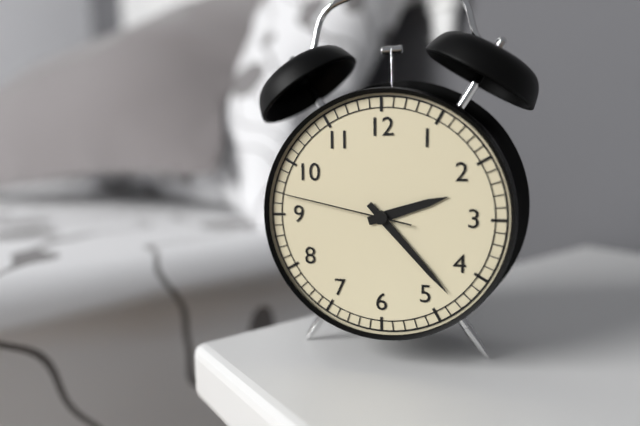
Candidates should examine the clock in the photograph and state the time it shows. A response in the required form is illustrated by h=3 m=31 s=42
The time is h=2 m=23 s=47
